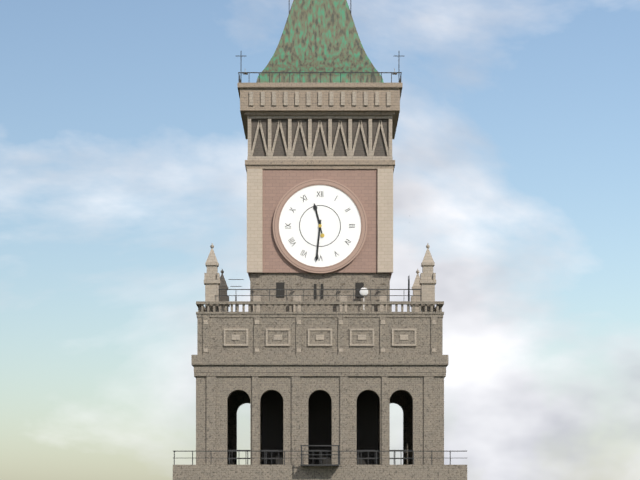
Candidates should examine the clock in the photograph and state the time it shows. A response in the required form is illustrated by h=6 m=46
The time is h=11 m=31
